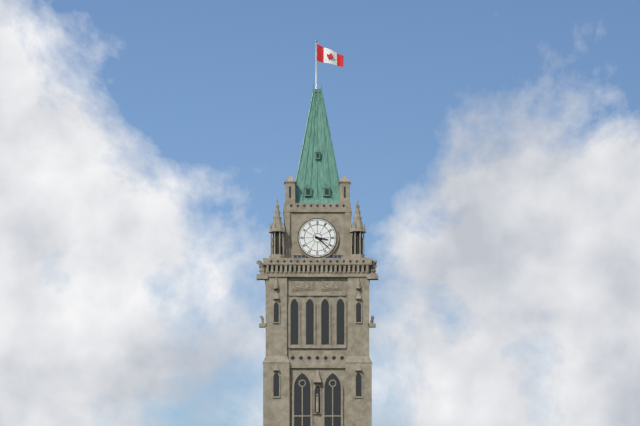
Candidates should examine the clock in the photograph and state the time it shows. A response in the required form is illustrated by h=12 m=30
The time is h=3 m=22
